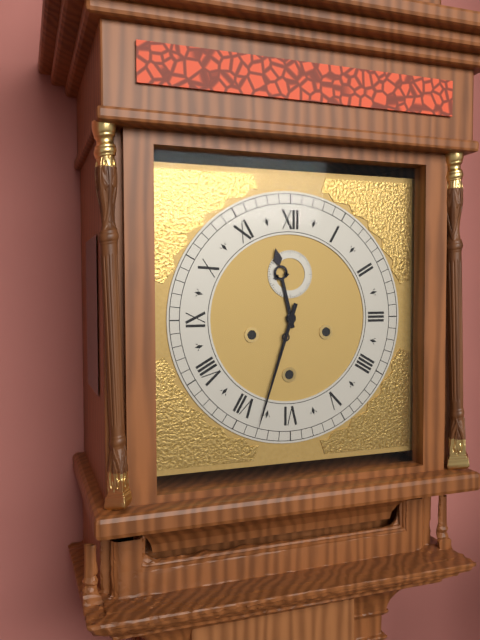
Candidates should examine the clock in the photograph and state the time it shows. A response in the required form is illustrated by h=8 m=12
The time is h=11 m=33
